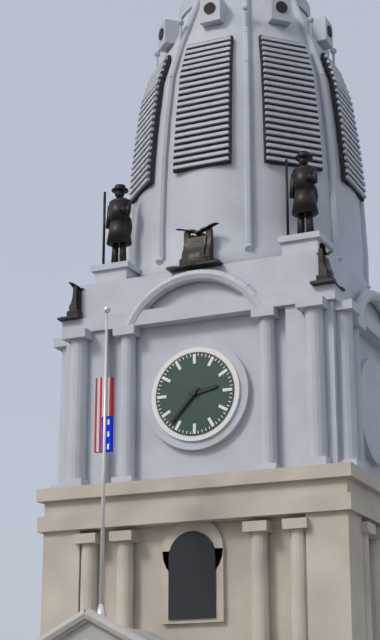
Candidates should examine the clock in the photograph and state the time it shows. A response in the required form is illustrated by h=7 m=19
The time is h=2 m=37
